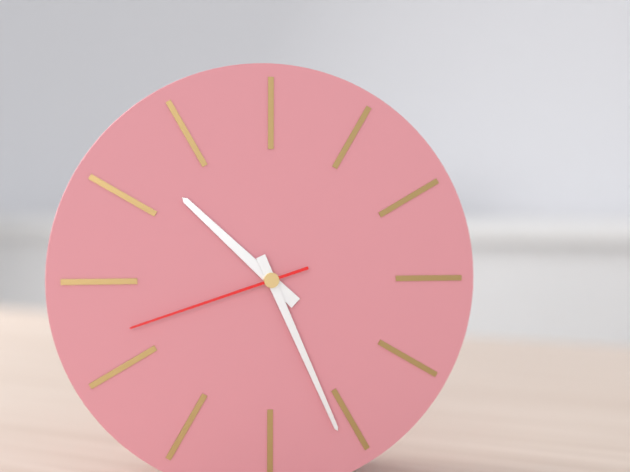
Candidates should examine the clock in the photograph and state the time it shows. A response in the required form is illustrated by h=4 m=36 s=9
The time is h=10 m=26 s=42
